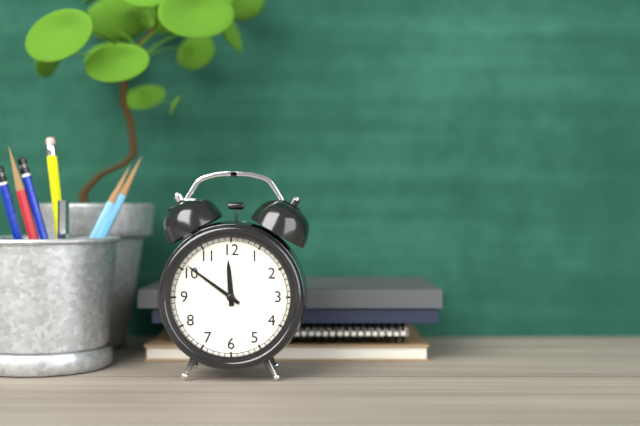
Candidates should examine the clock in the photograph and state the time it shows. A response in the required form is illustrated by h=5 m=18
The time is h=11 m=51
